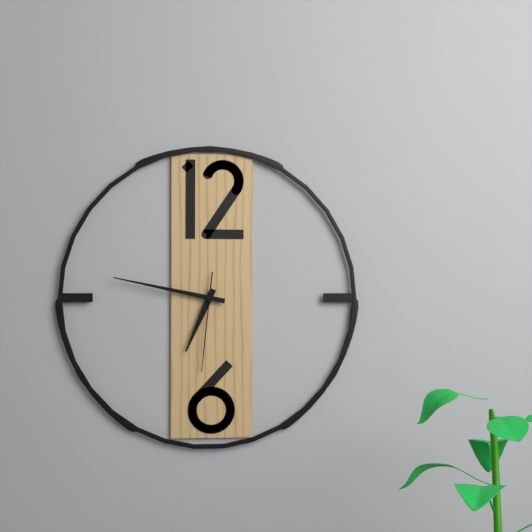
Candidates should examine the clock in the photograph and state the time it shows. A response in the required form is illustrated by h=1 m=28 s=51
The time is h=6 m=47 s=31
